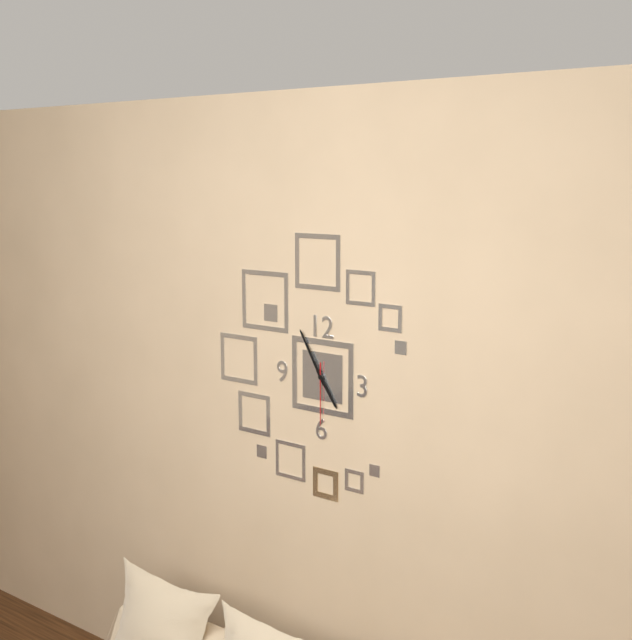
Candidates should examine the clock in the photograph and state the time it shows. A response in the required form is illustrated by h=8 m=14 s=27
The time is h=4 m=55 s=30
